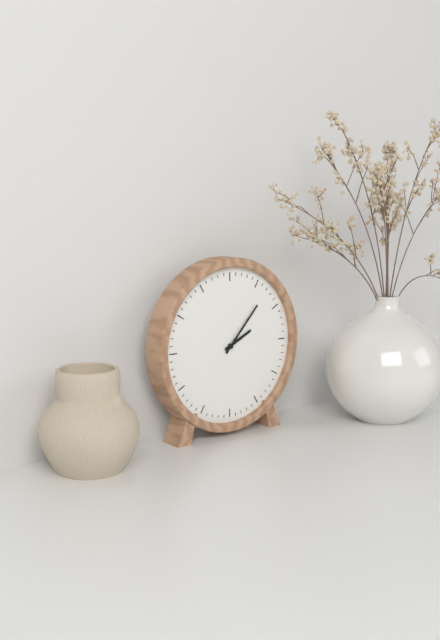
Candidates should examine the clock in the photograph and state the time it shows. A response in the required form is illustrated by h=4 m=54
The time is h=2 m=7
